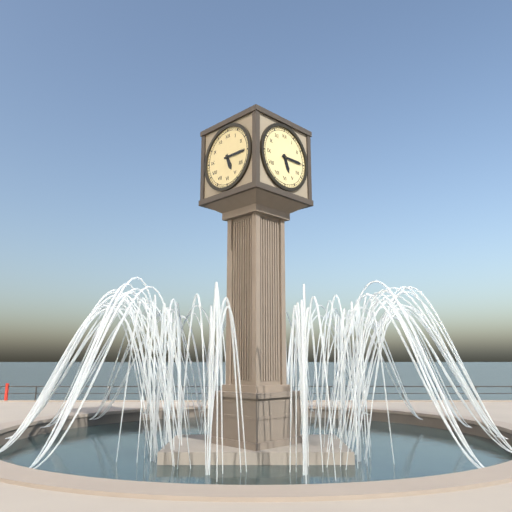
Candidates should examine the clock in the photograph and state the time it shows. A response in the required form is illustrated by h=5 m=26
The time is h=5 m=15
